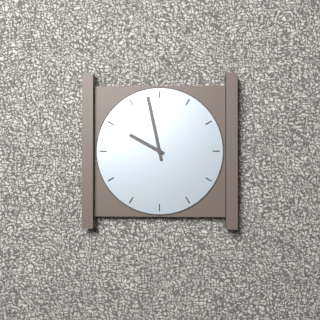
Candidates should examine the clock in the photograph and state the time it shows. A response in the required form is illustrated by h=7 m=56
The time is h=9 m=58
